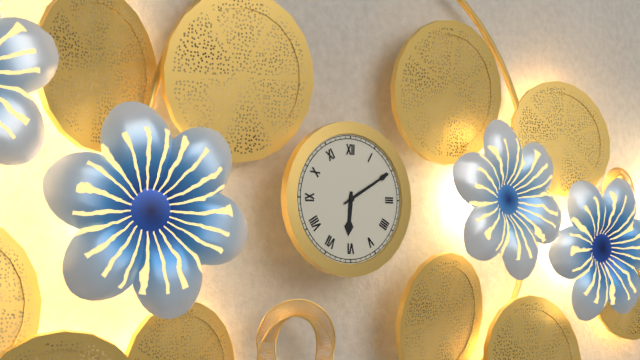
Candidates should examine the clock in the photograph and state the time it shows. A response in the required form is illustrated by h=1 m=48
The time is h=6 m=10
